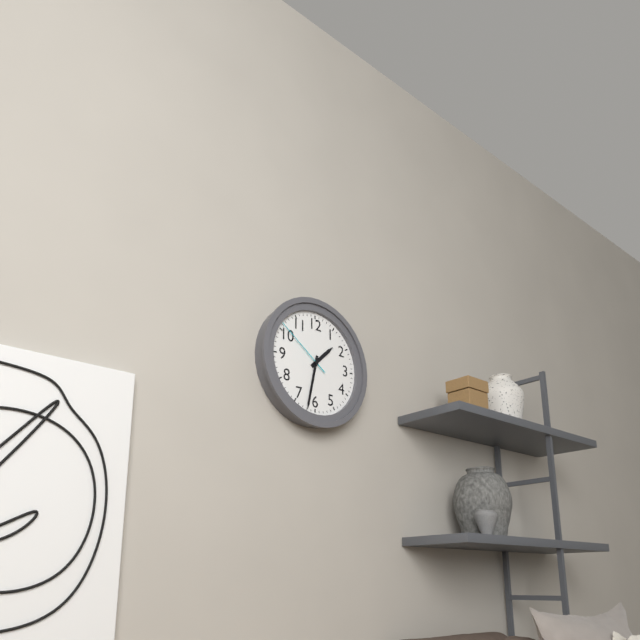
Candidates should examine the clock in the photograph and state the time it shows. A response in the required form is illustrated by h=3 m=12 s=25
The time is h=1 m=32 s=51
